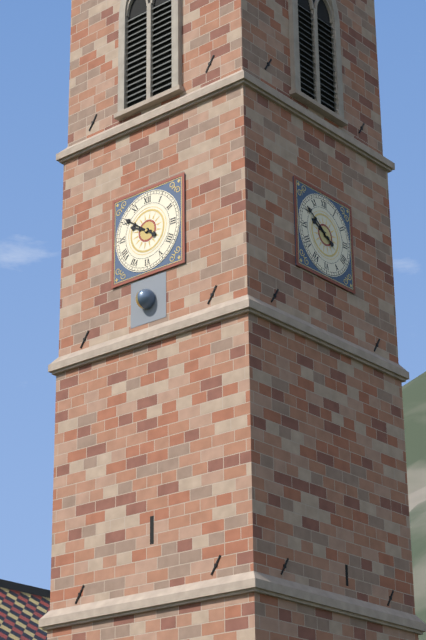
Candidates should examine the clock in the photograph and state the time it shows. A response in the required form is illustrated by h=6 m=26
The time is h=9 m=51
